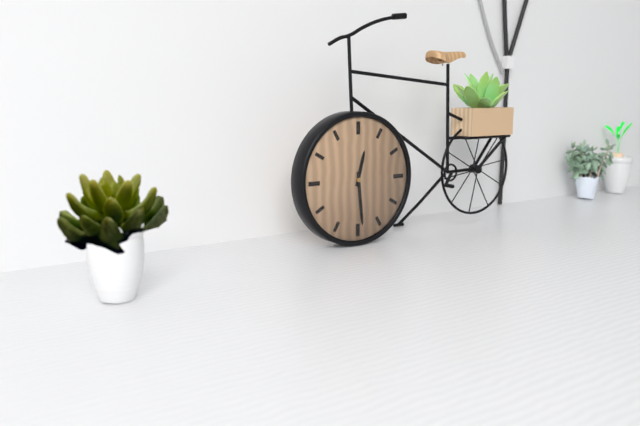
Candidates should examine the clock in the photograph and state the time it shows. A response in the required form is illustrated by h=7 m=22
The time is h=12 m=29
